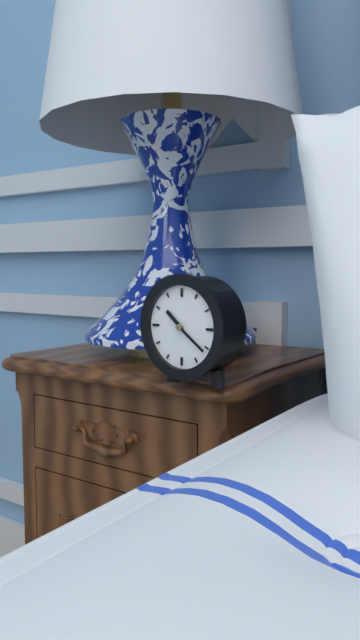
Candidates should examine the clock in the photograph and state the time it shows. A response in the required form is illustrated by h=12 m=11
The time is h=10 m=21
